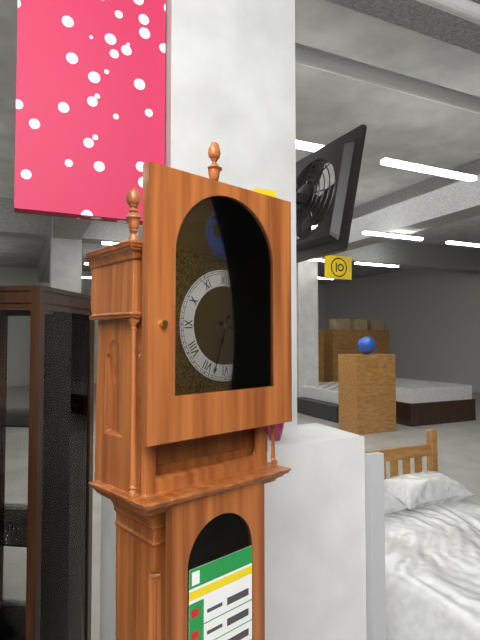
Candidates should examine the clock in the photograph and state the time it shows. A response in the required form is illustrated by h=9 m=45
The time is h=3 m=33
